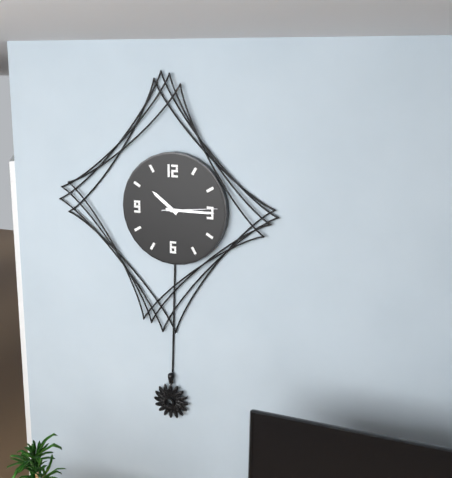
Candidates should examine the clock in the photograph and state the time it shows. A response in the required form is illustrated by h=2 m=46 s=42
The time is h=10 m=15 s=14
